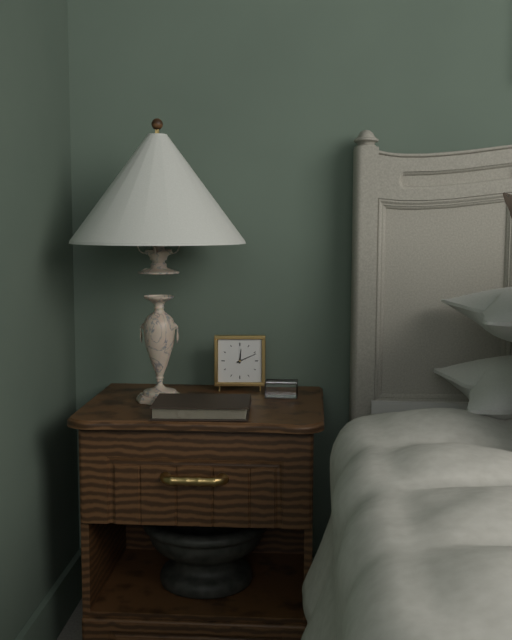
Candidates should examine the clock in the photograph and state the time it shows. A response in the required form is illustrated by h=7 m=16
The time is h=12 m=11
